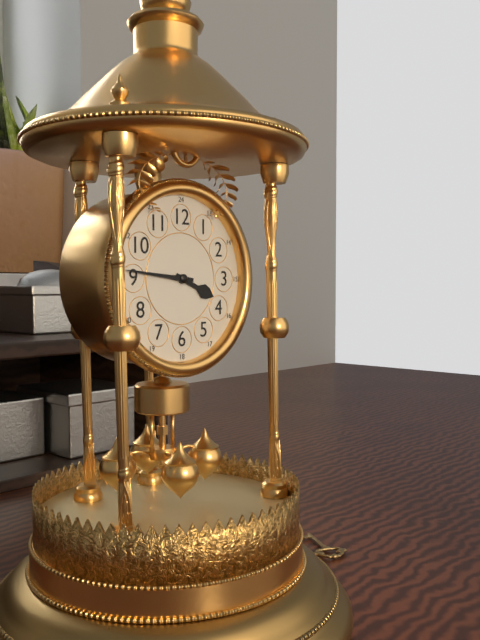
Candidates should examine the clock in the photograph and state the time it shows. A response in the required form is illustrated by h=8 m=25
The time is h=3 m=46
